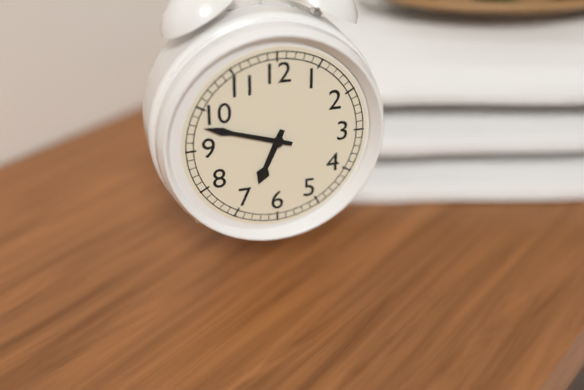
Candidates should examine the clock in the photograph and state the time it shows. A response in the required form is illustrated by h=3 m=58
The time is h=6 m=48
